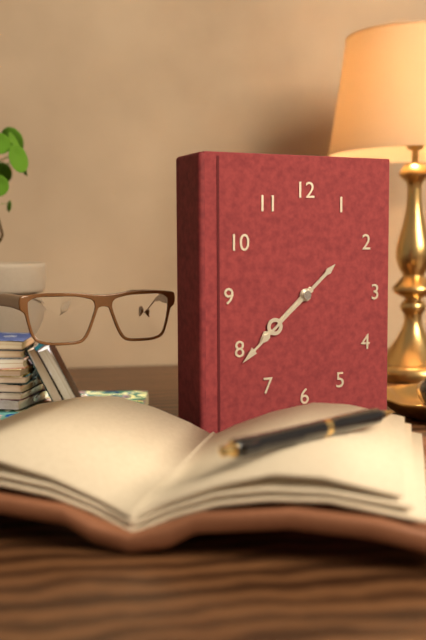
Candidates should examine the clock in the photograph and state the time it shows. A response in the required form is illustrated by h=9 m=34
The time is h=7 m=38
